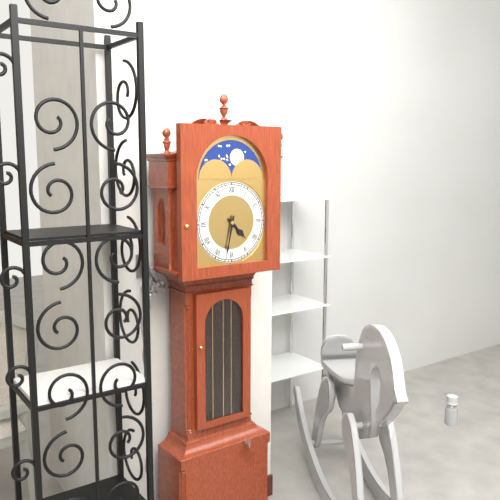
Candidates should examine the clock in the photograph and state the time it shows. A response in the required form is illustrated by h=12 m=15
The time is h=4 m=32
